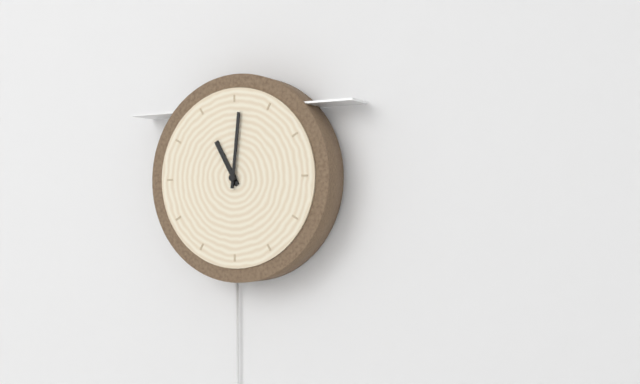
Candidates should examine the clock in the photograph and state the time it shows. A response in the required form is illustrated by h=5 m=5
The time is h=11 m=1
